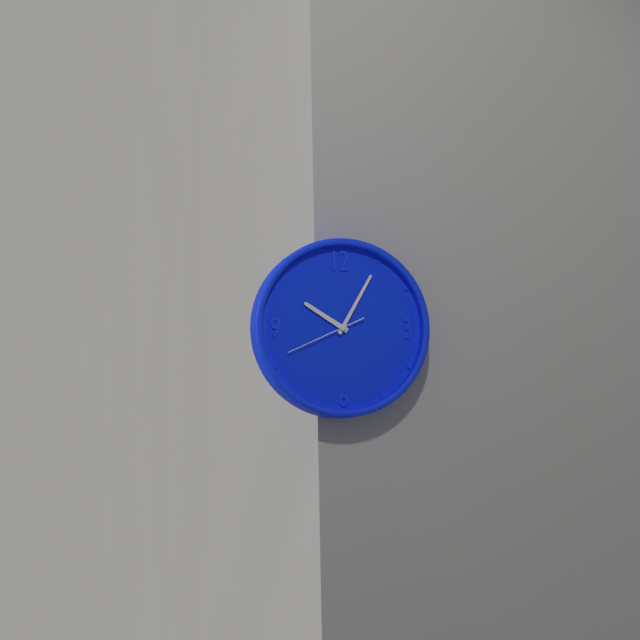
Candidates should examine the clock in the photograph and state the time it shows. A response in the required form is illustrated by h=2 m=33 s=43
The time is h=10 m=5 s=41
